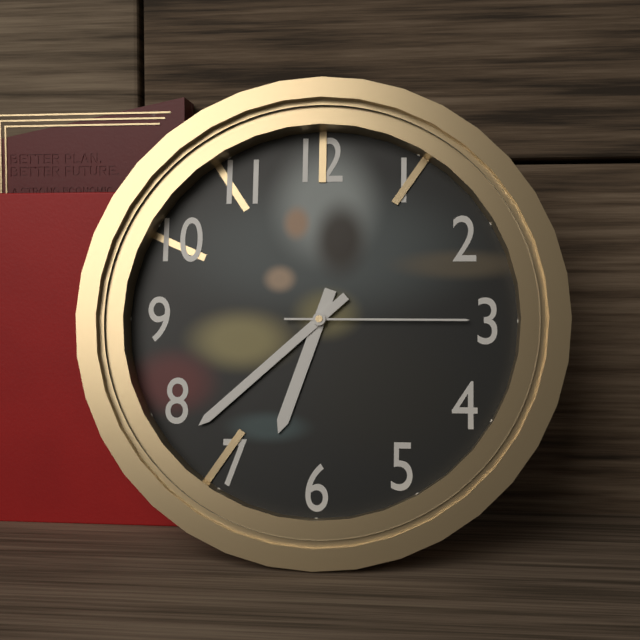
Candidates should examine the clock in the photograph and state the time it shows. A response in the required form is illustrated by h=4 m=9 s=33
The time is h=6 m=38 s=15
